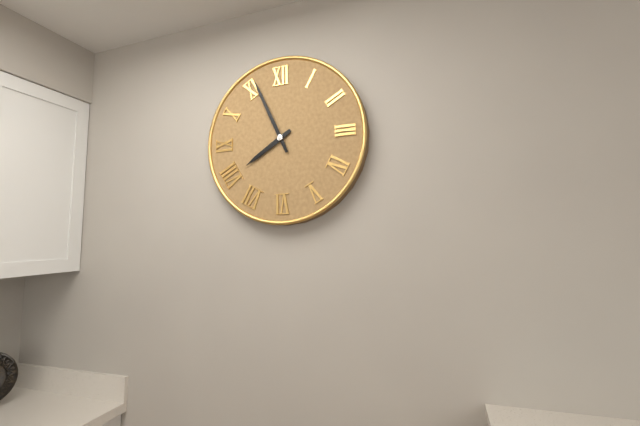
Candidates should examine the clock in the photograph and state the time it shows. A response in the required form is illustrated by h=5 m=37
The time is h=7 m=56
